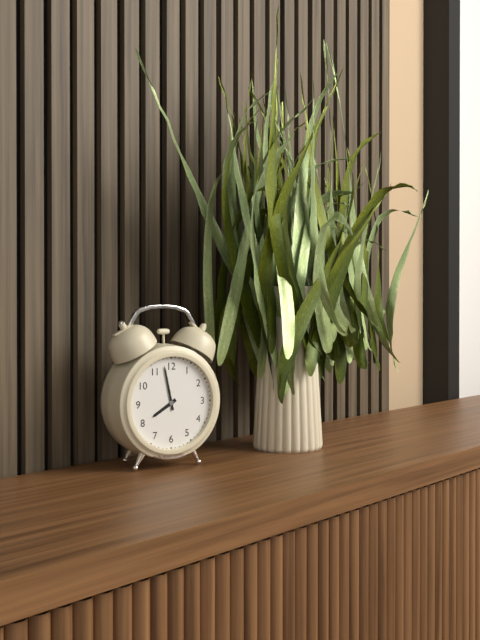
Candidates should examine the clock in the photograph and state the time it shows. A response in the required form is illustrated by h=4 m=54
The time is h=7 m=58
